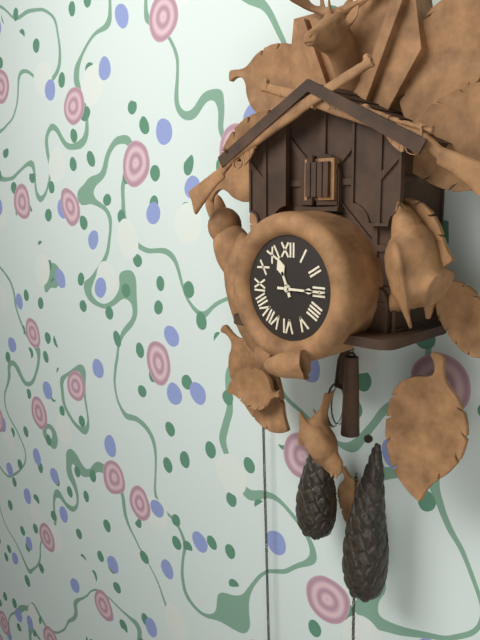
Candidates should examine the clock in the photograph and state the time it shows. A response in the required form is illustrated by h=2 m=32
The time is h=11 m=15
